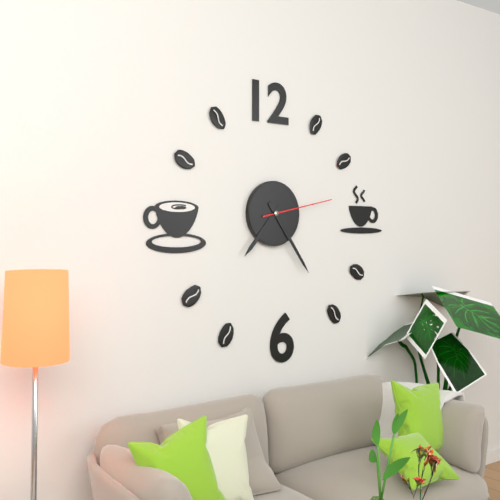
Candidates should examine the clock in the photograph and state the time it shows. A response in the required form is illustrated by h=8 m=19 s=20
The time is h=7 m=24 s=13
